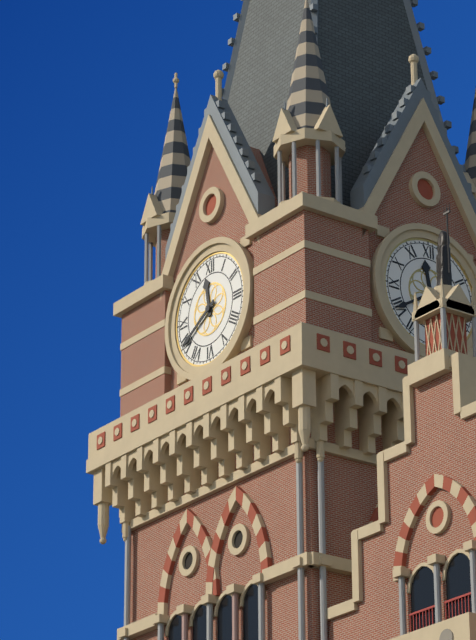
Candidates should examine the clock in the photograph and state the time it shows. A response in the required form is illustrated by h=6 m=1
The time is h=11 m=40
